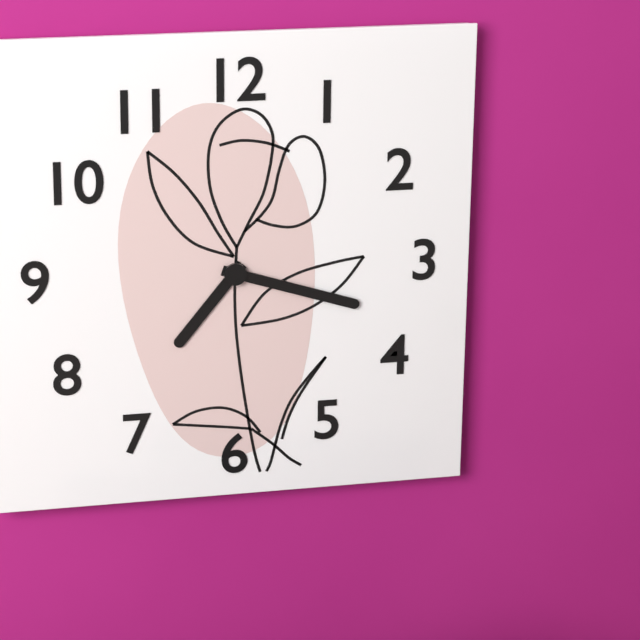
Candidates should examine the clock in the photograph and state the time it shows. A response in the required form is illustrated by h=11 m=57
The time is h=7 m=18
